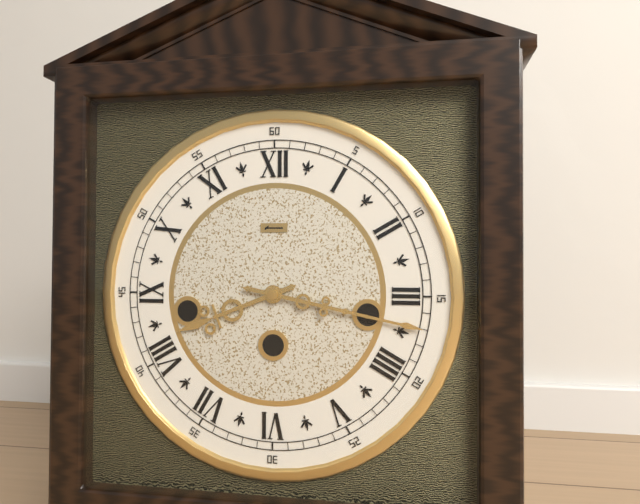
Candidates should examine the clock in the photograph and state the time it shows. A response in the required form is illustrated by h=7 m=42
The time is h=8 m=17
